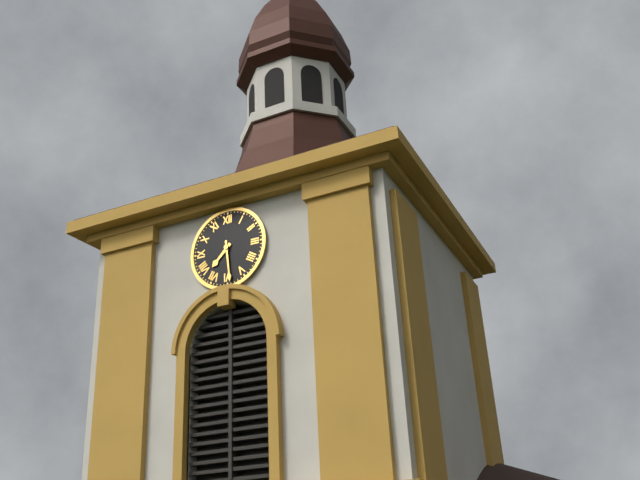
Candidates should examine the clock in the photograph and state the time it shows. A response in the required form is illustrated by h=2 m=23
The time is h=7 m=29
